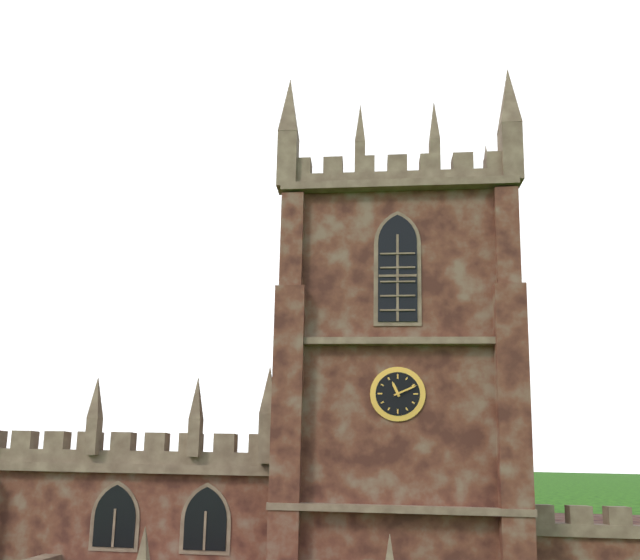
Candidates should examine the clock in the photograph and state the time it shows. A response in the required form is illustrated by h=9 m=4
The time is h=11 m=11
